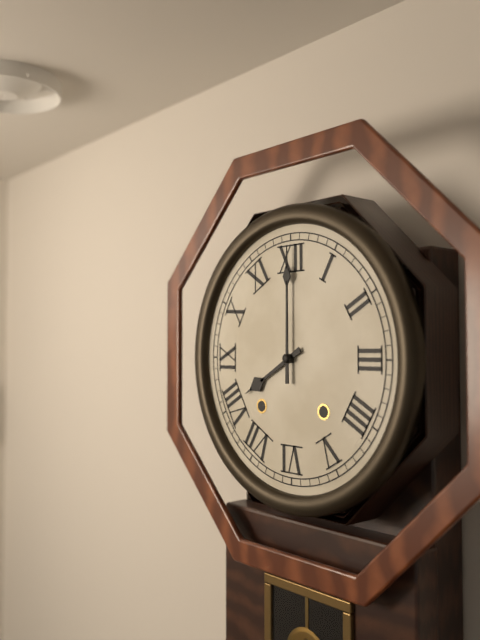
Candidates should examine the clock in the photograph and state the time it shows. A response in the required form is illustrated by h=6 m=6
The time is h=8 m=0
